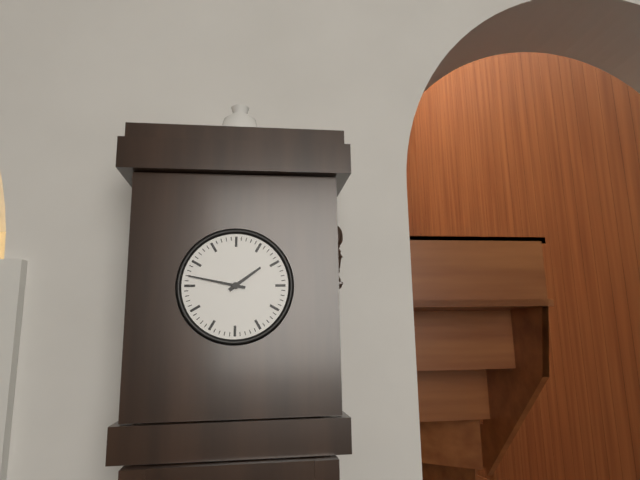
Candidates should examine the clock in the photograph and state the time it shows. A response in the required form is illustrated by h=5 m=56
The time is h=1 m=47
